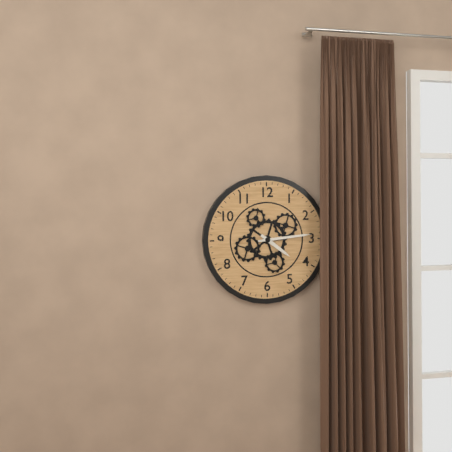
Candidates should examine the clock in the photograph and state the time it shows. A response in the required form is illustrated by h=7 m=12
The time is h=4 m=14
